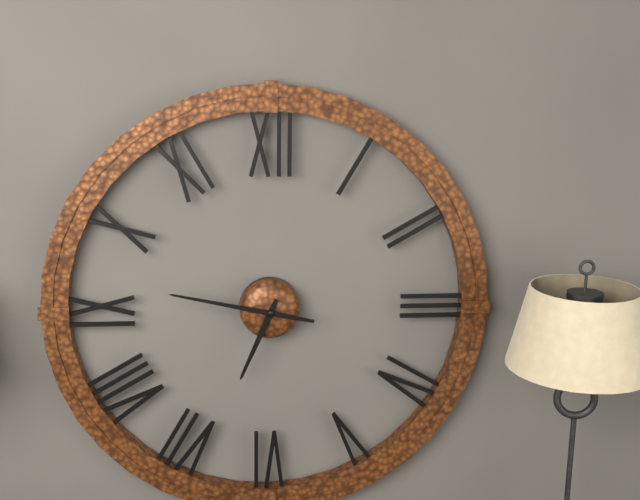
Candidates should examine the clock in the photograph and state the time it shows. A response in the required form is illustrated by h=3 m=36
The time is h=6 m=47
